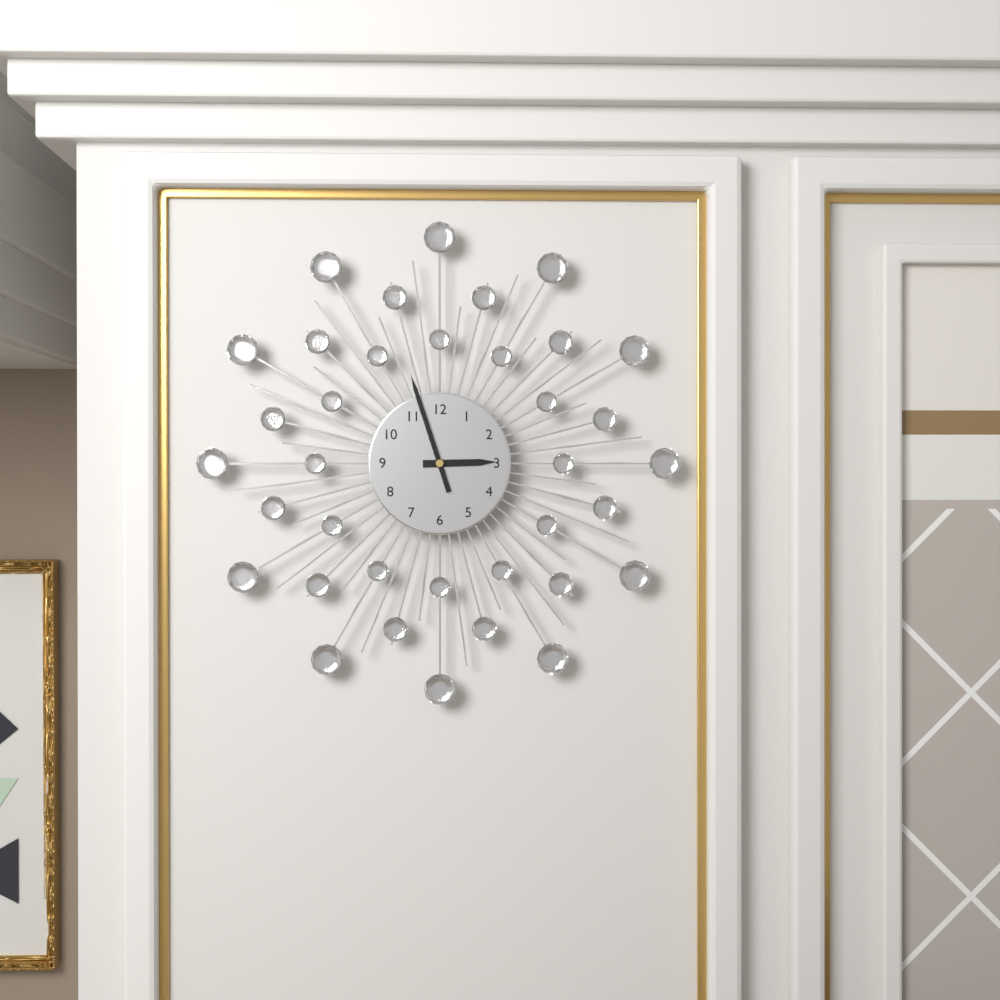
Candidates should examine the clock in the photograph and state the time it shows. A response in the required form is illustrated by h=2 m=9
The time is h=2 m=57
